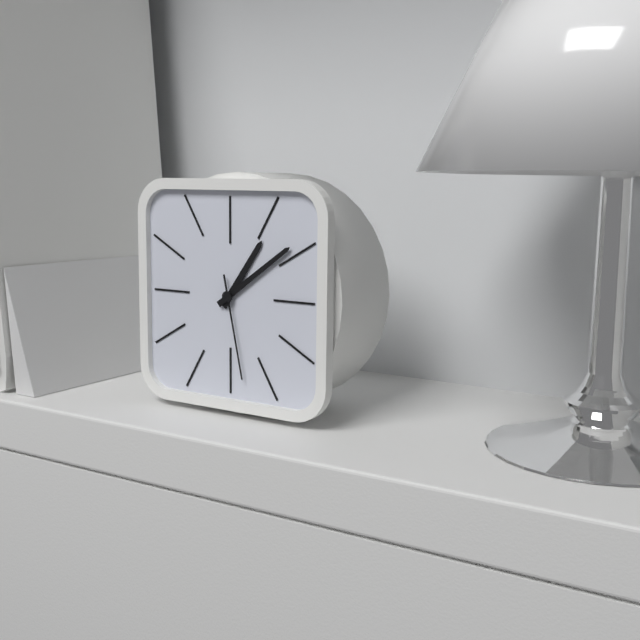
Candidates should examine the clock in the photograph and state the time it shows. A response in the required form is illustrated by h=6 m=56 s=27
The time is h=1 m=9 s=28
